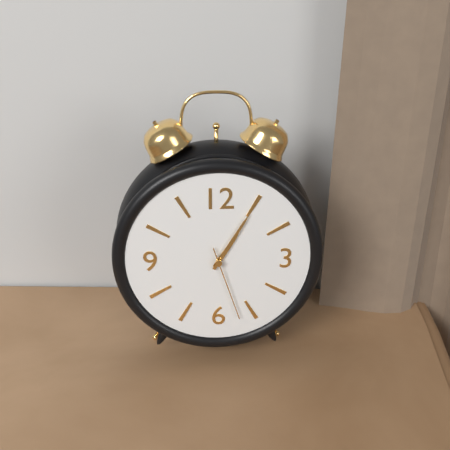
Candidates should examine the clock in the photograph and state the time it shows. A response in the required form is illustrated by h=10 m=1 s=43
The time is h=1 m=5 s=27
